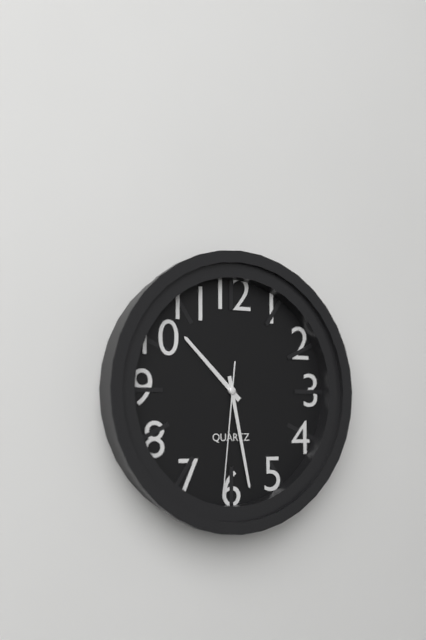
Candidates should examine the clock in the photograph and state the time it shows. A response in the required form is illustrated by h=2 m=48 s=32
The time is h=10 m=28 s=31
